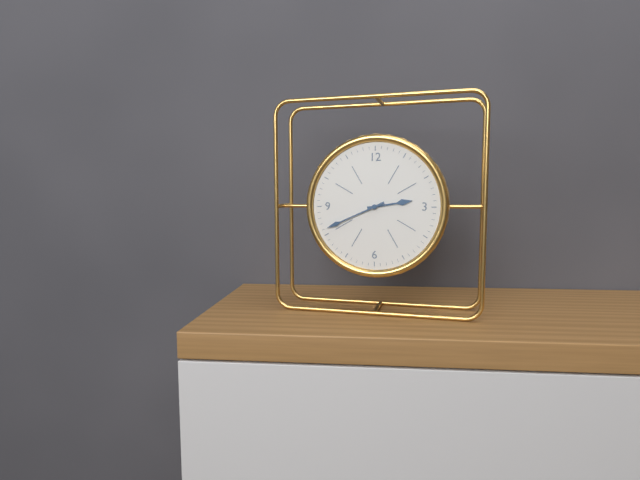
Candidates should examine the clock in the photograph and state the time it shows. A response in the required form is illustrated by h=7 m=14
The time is h=2 m=41
